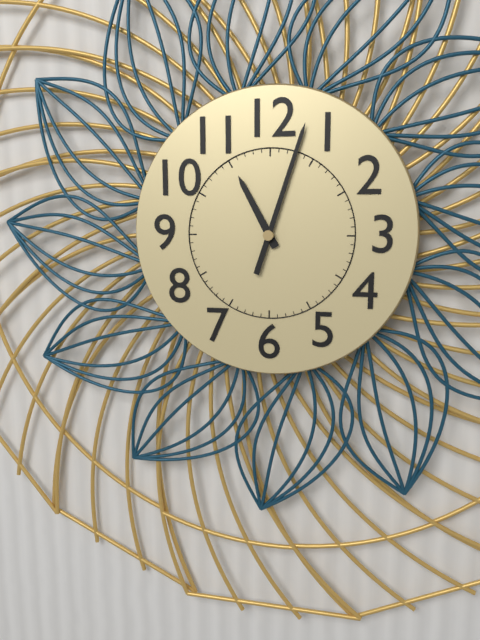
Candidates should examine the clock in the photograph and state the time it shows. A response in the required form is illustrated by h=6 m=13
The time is h=11 m=3
